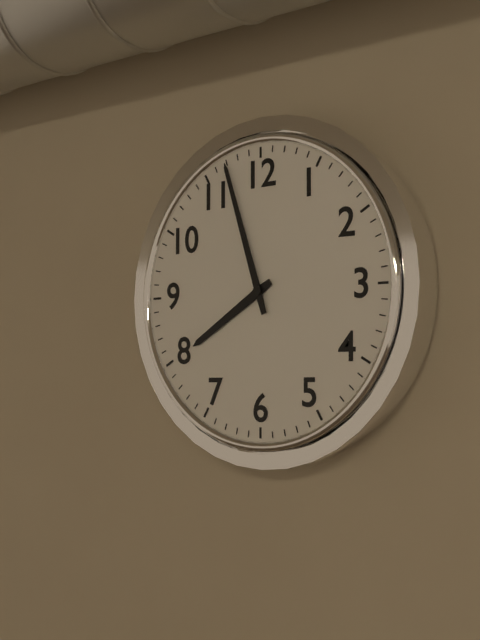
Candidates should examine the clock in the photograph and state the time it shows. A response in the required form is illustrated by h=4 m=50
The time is h=7 m=57
